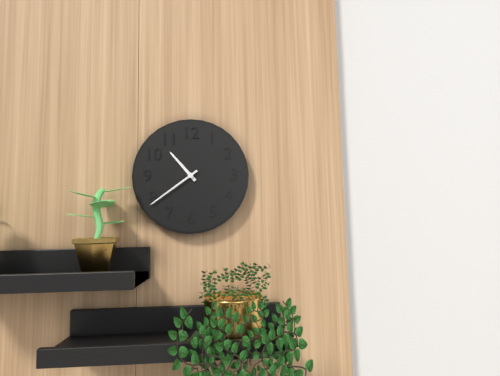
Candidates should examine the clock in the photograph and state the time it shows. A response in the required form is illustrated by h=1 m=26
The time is h=10 m=39
